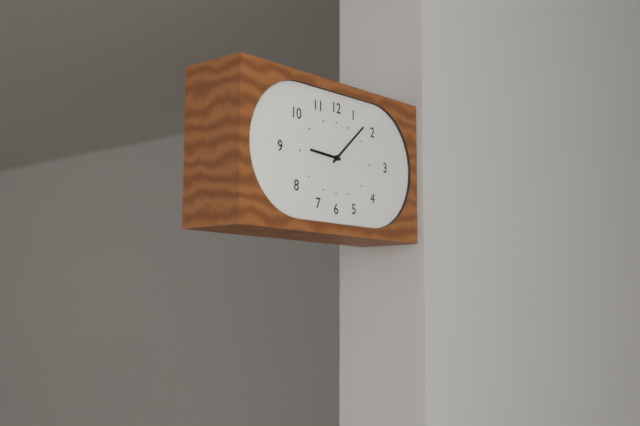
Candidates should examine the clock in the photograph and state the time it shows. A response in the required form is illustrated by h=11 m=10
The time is h=9 m=8
